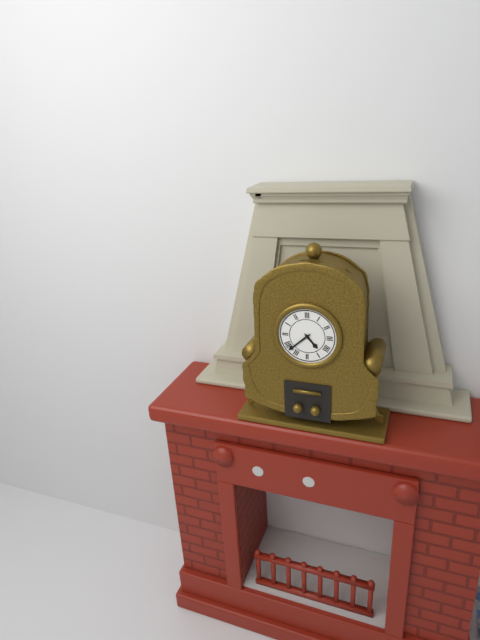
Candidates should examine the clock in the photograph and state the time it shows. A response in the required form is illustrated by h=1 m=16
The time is h=4 m=38
